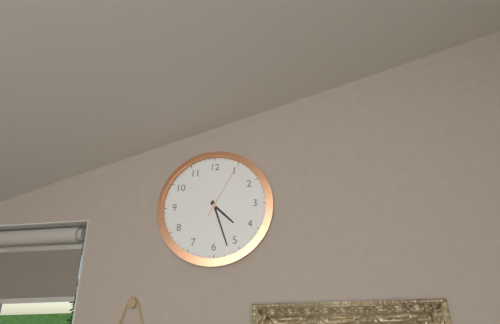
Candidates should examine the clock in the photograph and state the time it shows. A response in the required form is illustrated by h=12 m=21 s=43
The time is h=4 m=27 s=5
